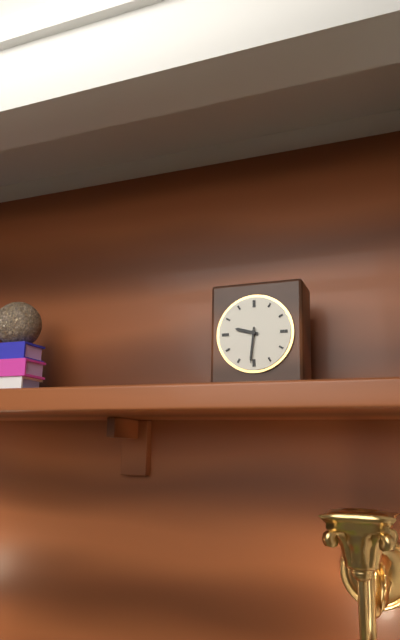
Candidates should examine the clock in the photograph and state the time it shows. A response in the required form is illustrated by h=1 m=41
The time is h=9 m=31
